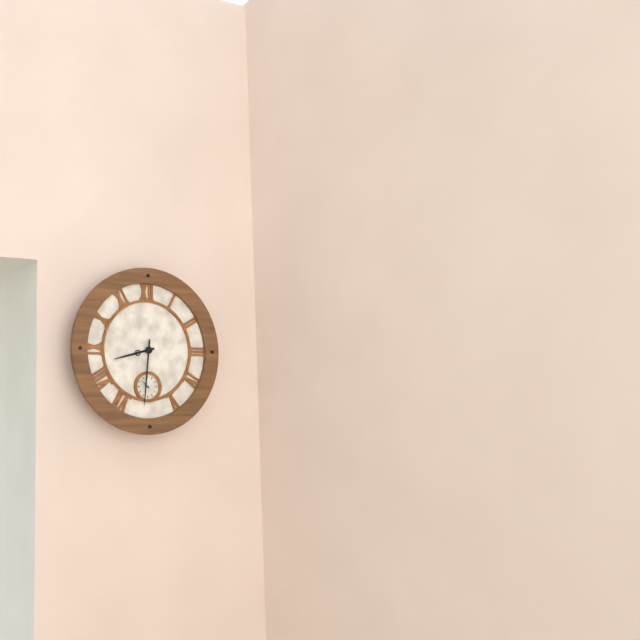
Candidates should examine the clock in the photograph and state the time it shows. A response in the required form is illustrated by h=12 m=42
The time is h=8 m=31
